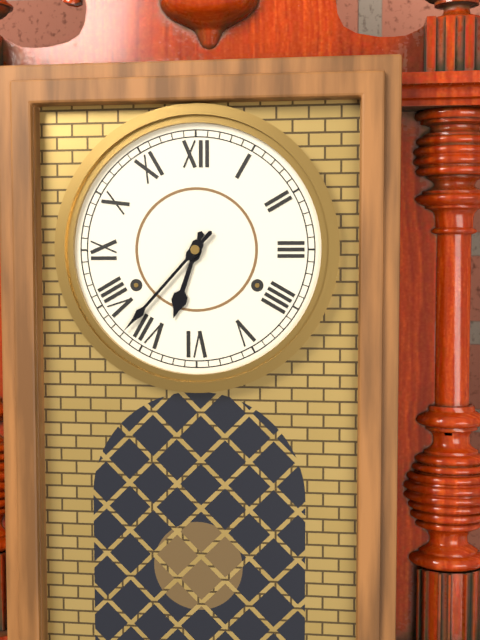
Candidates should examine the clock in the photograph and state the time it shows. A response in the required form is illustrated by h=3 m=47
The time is h=6 m=37
